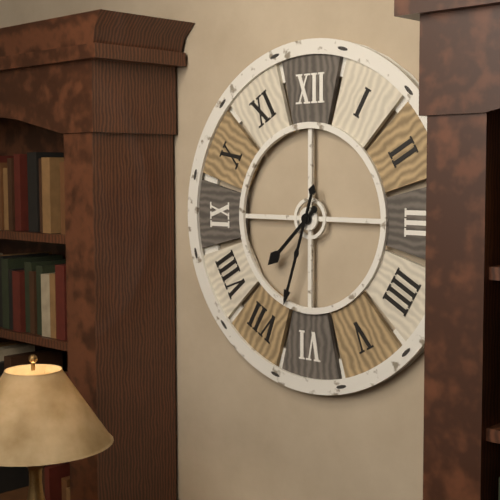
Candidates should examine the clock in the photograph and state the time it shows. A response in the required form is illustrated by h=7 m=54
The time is h=7 m=33
